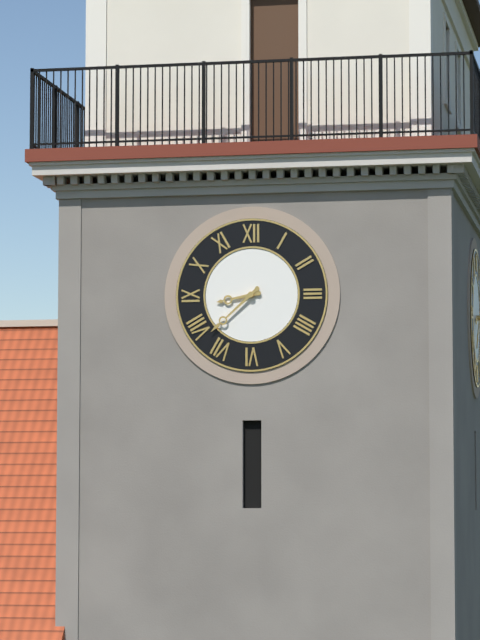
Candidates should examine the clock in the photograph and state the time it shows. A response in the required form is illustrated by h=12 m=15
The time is h=8 m=38
